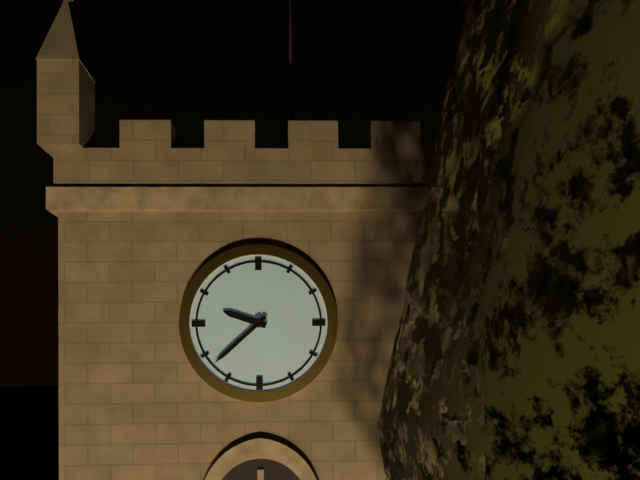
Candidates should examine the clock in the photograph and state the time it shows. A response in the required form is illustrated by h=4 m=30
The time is h=9 m=38
